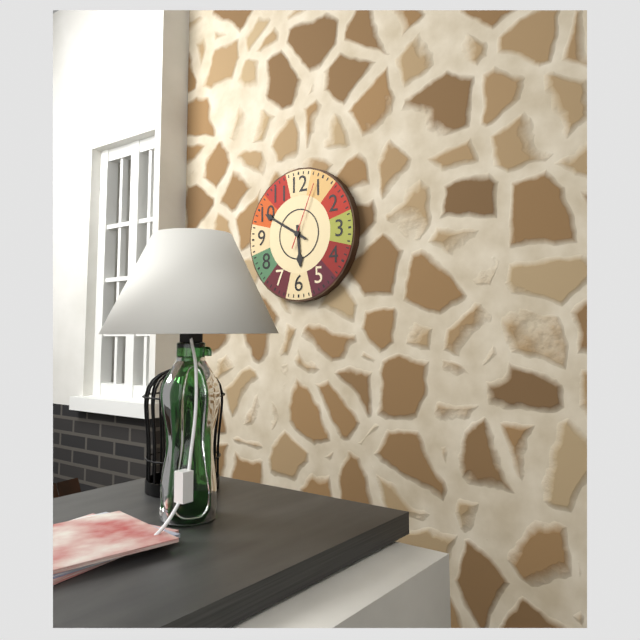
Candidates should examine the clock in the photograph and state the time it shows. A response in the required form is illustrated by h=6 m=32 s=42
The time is h=5 m=50 s=4
